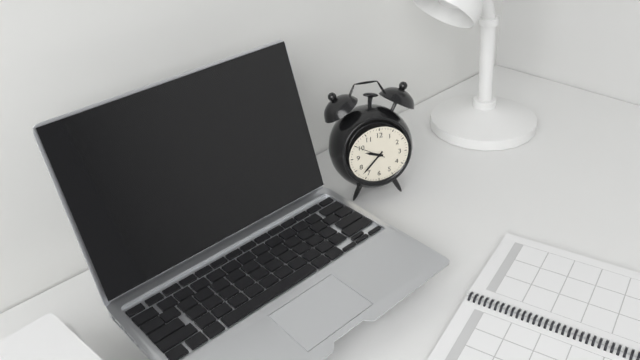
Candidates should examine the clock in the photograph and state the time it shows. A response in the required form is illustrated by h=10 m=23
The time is h=9 m=37
